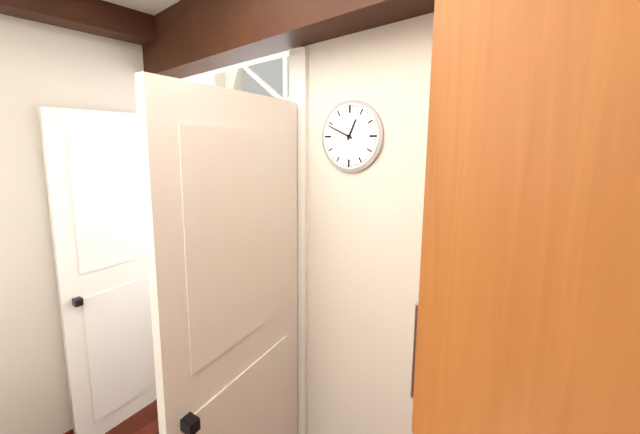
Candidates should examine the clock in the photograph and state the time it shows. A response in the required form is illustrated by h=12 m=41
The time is h=12 m=49
